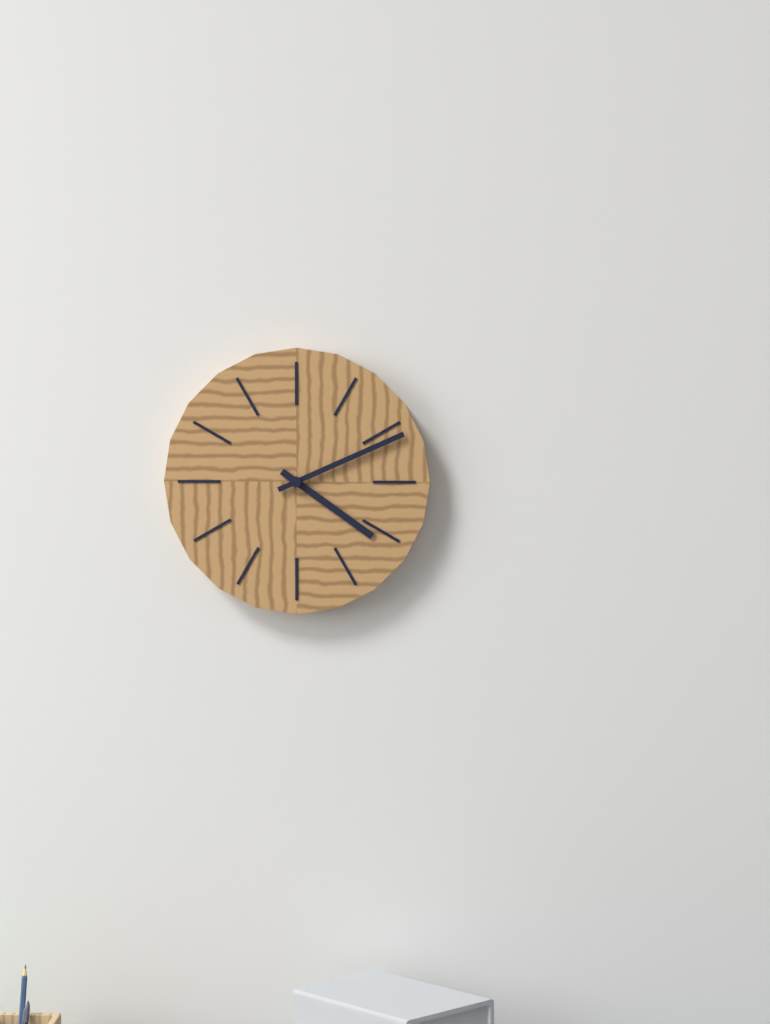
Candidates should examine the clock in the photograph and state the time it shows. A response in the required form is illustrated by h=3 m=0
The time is h=4 m=11
